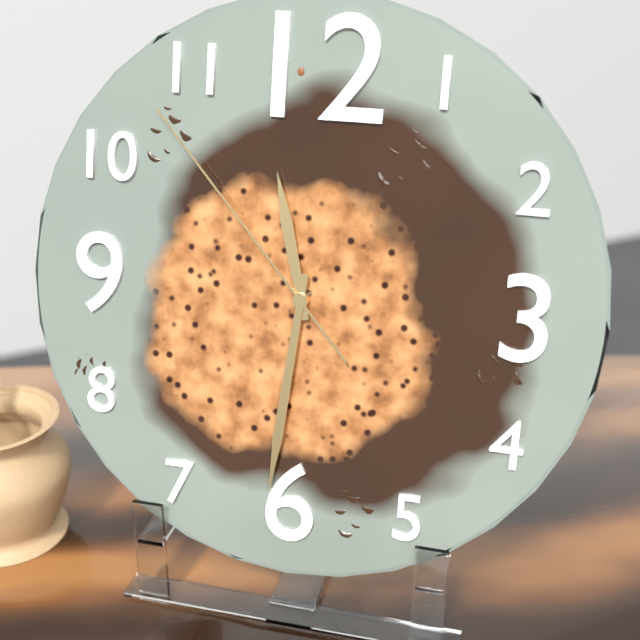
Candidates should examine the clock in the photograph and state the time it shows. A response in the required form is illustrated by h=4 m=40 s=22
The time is h=11 m=31 s=53
